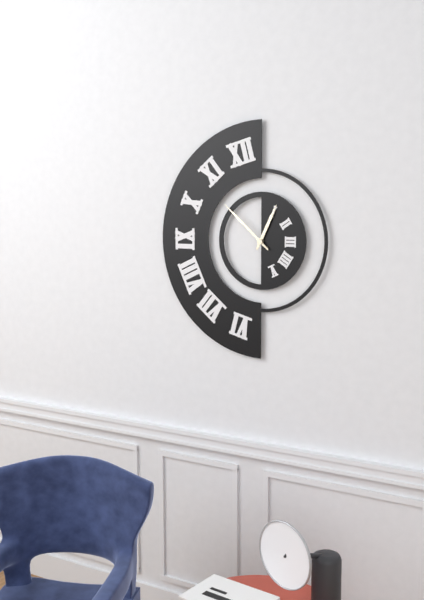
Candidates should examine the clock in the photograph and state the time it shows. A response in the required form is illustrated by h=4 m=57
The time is h=12 m=52
